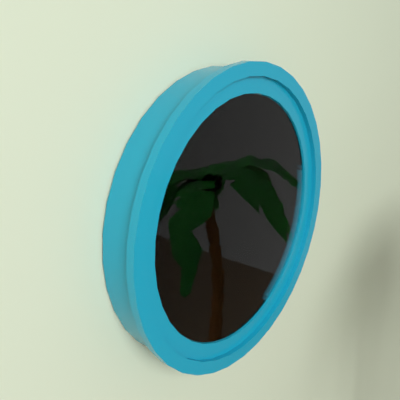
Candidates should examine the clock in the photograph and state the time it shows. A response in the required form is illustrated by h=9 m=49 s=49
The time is h=7 m=50 s=2
